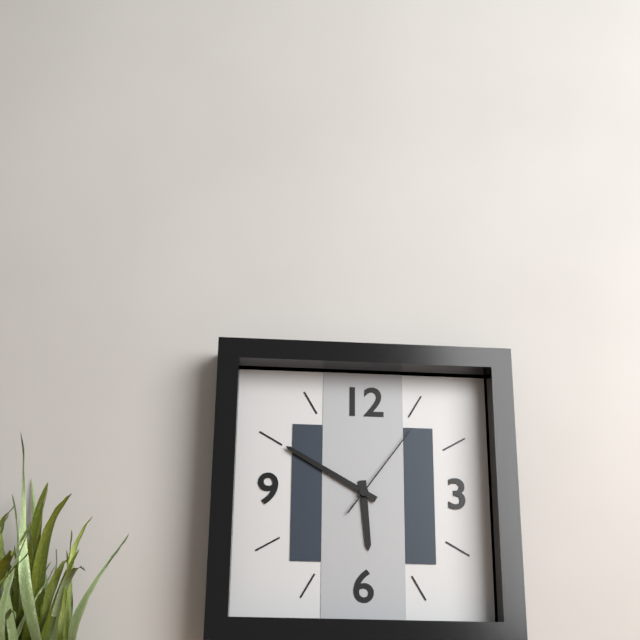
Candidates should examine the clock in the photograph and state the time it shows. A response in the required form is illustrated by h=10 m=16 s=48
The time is h=5 m=50 s=6
